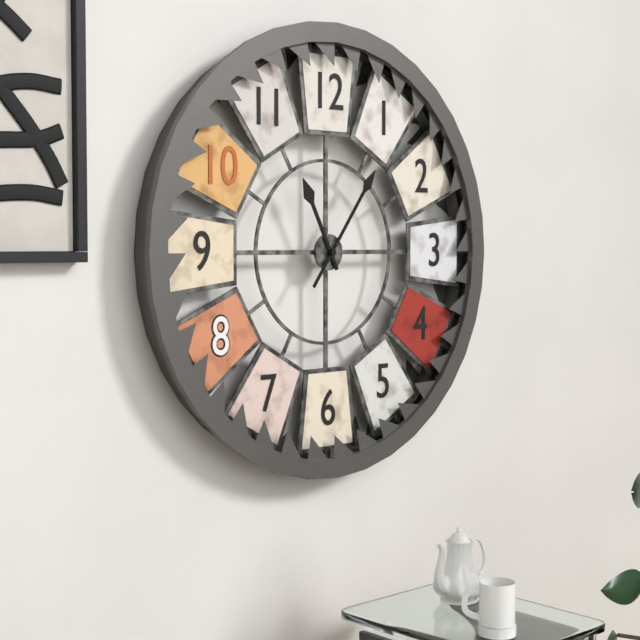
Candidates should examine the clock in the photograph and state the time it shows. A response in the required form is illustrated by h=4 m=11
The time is h=11 m=6
